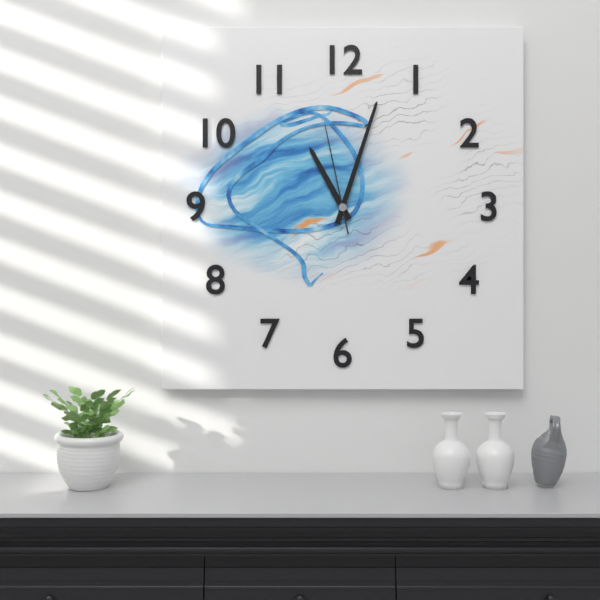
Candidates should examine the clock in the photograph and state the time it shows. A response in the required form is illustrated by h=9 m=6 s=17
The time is h=11 m=3 s=58
